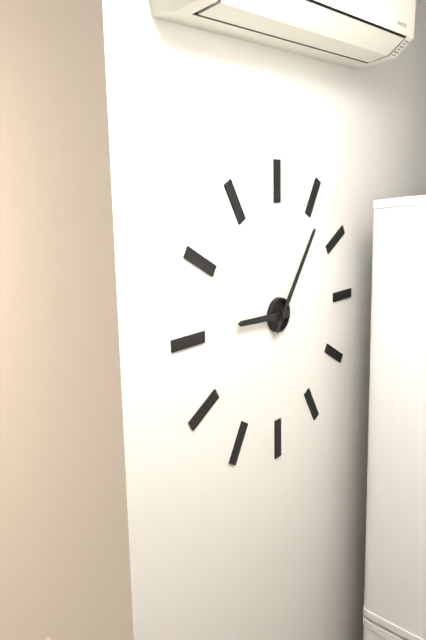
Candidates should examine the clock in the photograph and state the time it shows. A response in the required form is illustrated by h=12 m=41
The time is h=9 m=6
